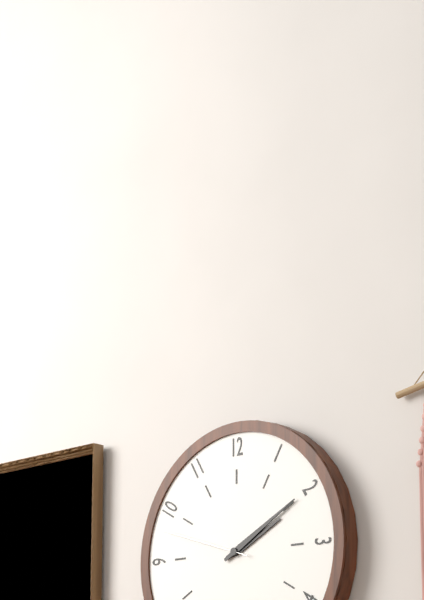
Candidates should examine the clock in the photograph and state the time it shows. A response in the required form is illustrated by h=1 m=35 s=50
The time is h=2 m=10 s=48
